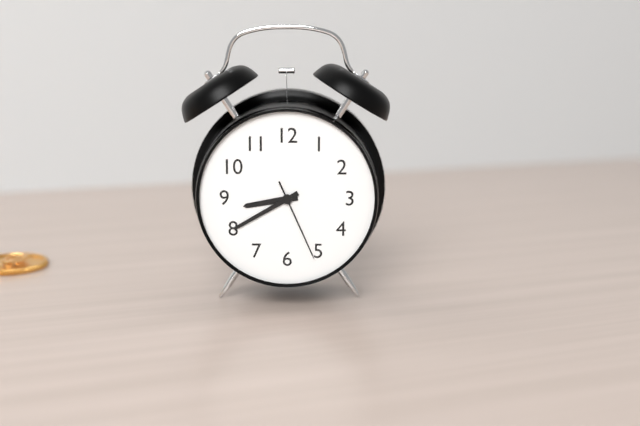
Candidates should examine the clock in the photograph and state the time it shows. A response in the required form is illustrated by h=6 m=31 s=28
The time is h=8 m=40 s=26
